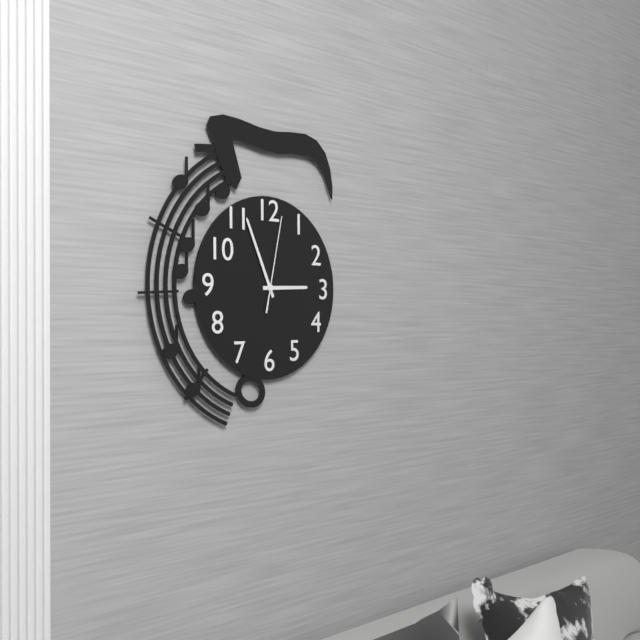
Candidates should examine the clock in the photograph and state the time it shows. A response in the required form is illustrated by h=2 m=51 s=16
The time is h=2 m=56 s=2
